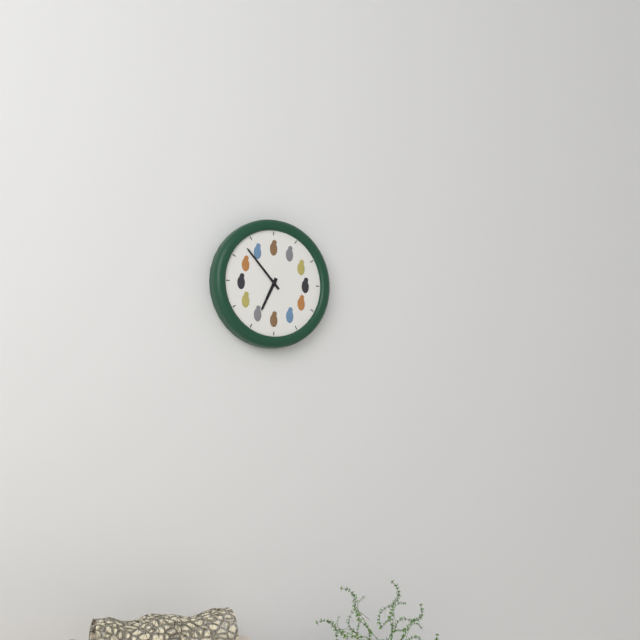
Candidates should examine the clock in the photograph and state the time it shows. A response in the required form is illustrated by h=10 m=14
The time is h=6 m=53
